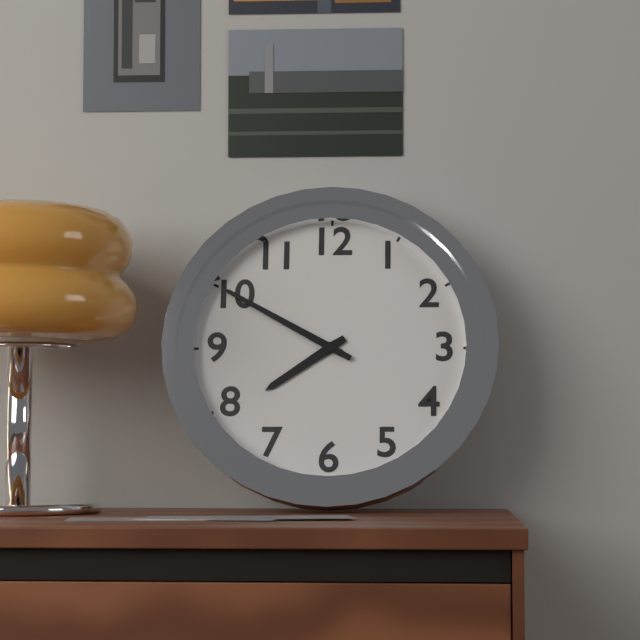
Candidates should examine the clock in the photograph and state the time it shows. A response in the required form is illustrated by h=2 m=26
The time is h=7 m=50
